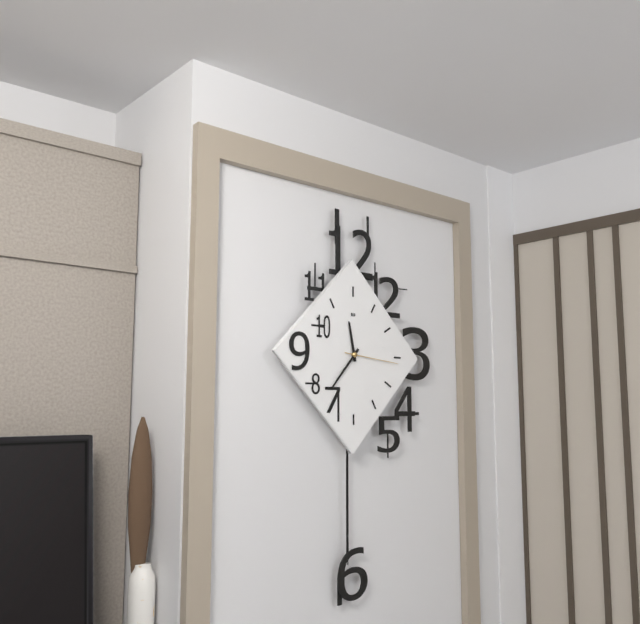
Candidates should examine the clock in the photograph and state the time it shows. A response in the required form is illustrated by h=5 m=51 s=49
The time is h=11 m=37 s=16
